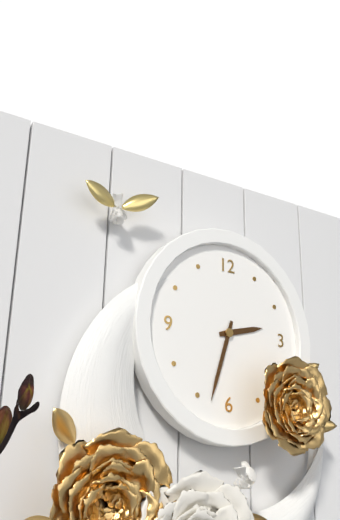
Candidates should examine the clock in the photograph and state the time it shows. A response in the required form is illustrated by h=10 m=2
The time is h=2 m=33
